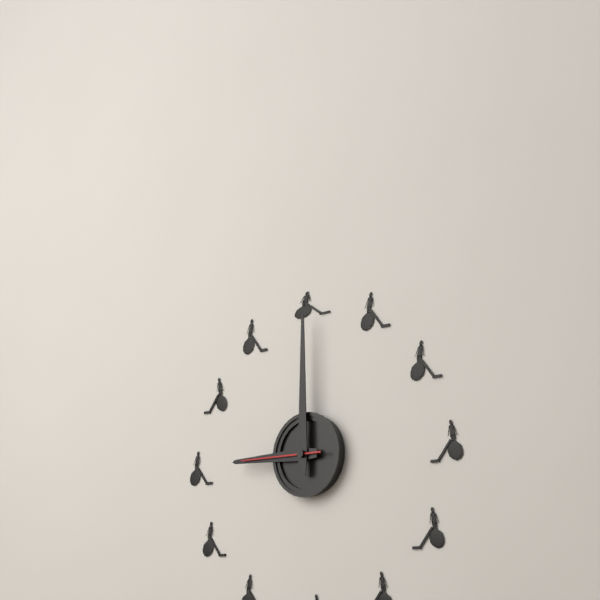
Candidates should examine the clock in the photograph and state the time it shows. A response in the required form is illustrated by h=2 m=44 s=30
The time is h=9 m=0 s=45
